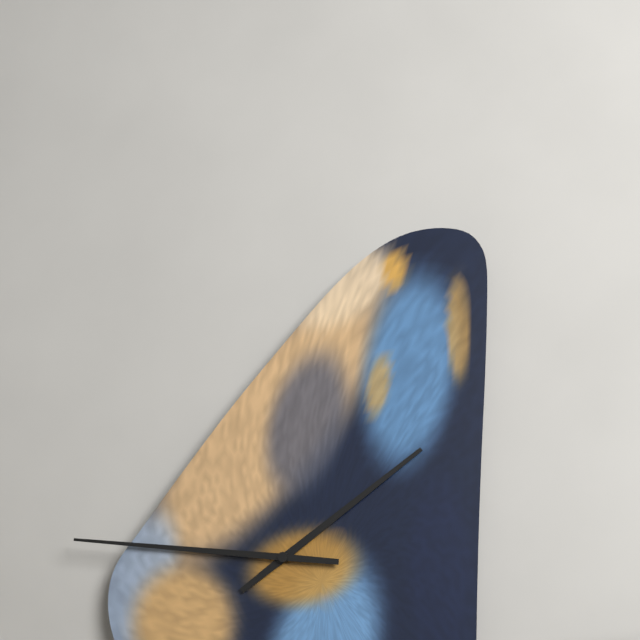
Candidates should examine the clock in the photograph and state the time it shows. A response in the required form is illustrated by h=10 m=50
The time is h=1 m=46
